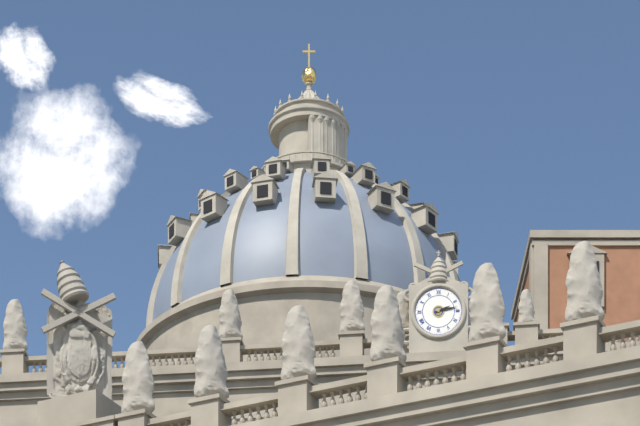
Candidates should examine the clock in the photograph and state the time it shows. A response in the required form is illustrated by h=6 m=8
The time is h=2 m=13
